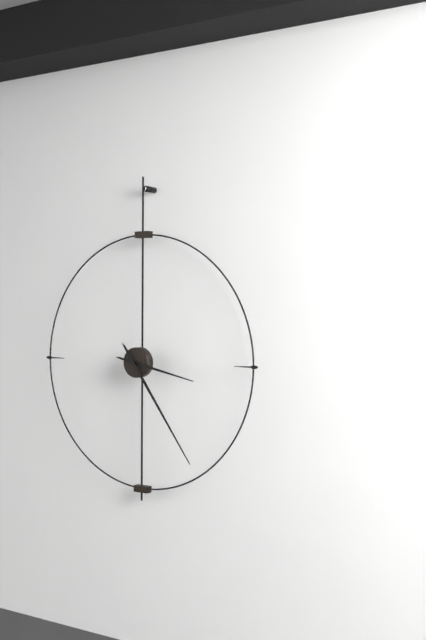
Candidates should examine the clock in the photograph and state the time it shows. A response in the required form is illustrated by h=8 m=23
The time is h=3 m=24
